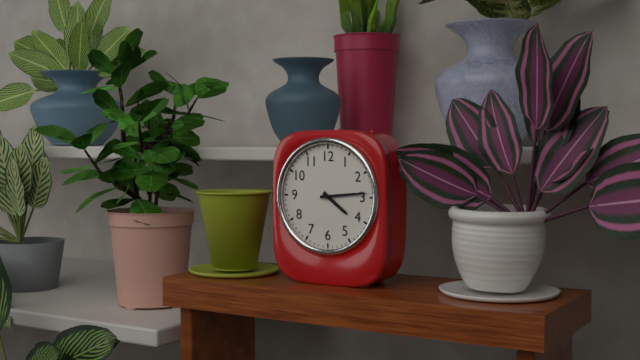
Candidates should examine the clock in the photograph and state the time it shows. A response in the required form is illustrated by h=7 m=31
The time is h=4 m=14
